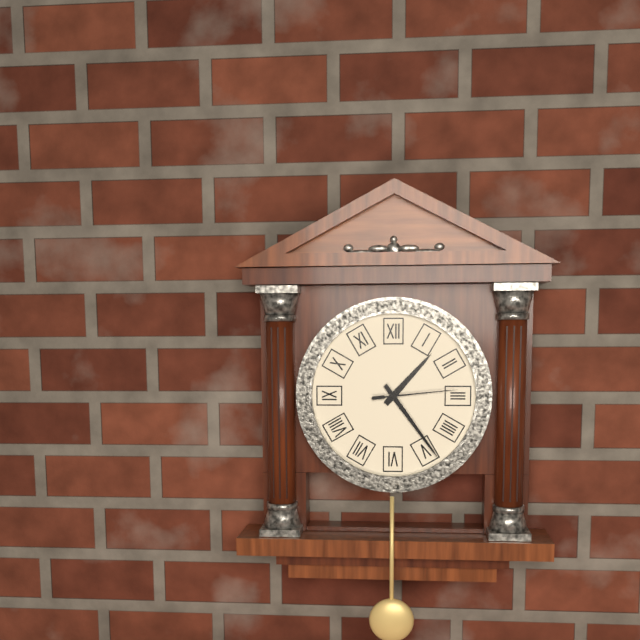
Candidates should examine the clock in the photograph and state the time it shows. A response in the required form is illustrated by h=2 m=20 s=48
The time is h=1 m=24 s=14
